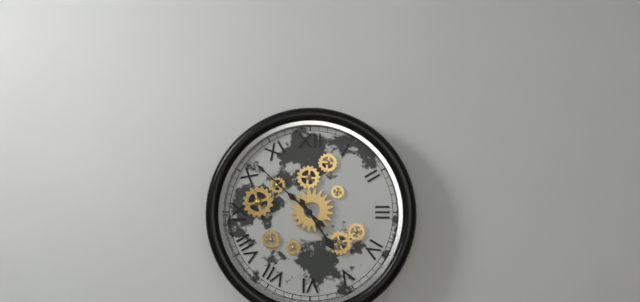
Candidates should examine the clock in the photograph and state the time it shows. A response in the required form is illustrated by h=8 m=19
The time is h=4 m=52
